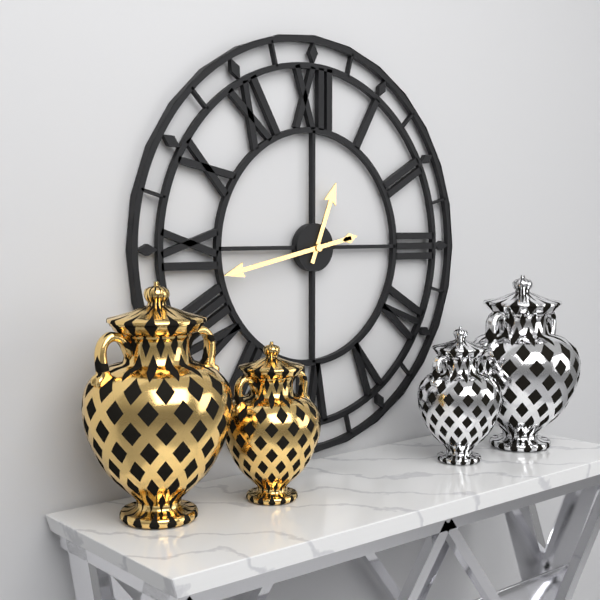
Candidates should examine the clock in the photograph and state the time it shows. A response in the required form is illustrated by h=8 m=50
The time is h=12 m=43
